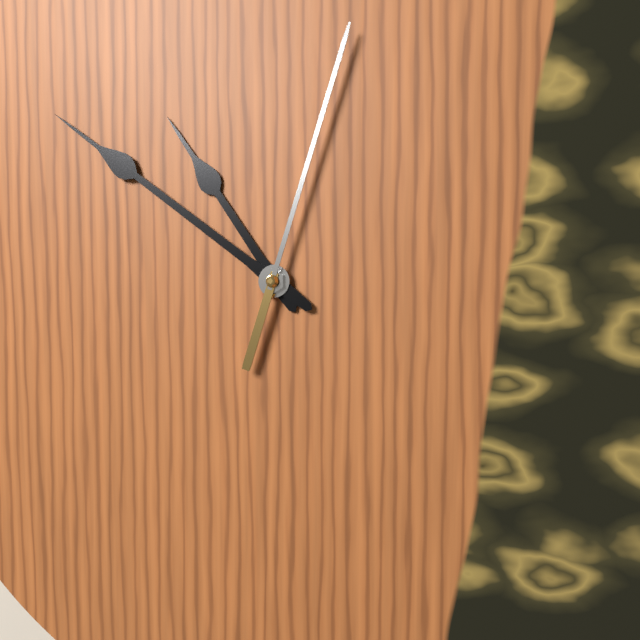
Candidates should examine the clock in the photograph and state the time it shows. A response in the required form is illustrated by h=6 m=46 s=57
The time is h=10 m=51 s=3
